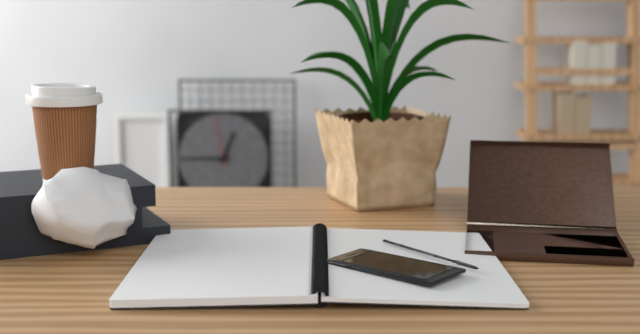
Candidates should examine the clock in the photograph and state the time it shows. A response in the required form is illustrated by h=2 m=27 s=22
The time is h=12 m=45 s=58
